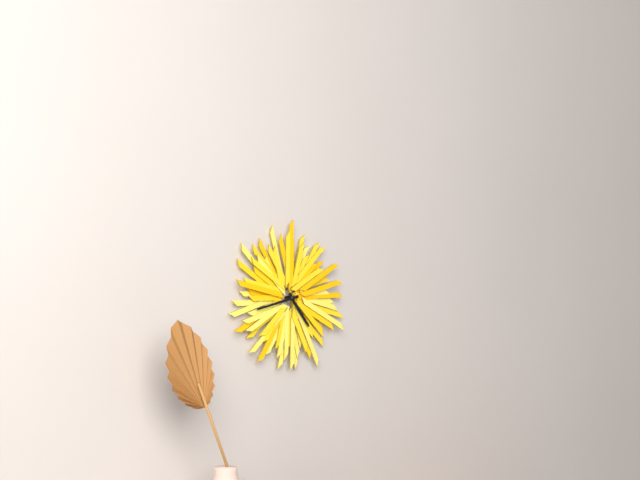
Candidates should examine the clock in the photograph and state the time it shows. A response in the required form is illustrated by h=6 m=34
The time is h=4 m=43
